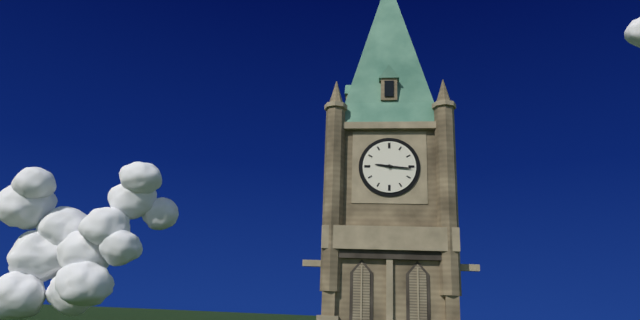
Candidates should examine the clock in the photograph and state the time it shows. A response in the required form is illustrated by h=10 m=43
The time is h=9 m=16
